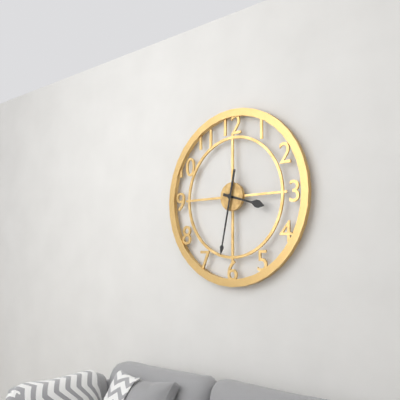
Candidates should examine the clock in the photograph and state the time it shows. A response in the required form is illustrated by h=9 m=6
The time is h=3 m=32
